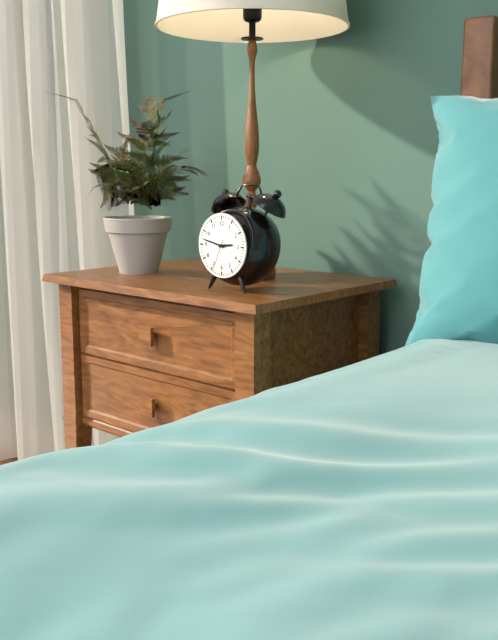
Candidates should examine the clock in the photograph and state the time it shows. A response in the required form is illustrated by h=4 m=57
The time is h=2 m=47
